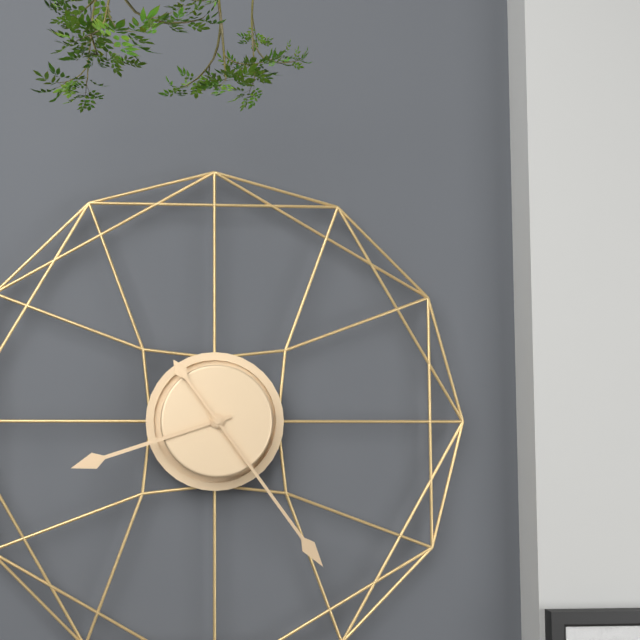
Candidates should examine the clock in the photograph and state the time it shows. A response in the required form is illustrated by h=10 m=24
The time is h=8 m=24
